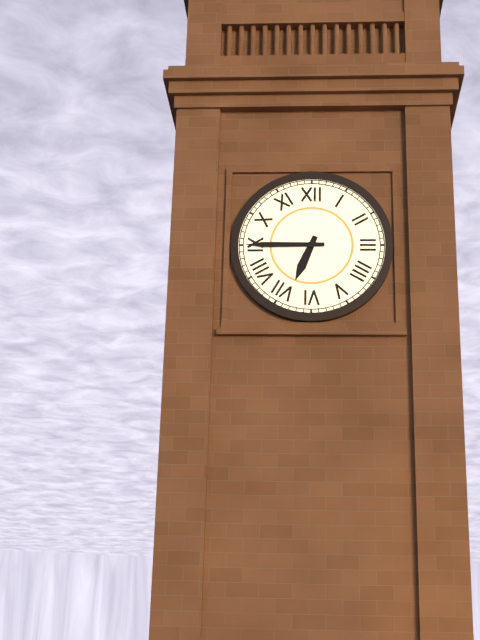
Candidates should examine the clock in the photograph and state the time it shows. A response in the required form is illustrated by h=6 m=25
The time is h=6 m=45
